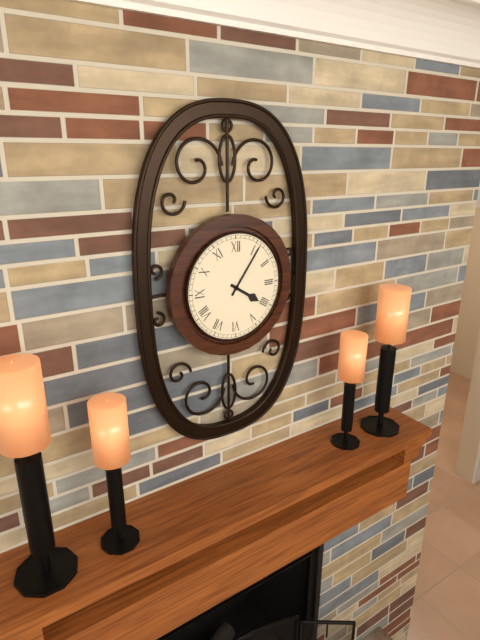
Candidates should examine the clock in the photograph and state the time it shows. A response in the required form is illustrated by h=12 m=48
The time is h=4 m=6
